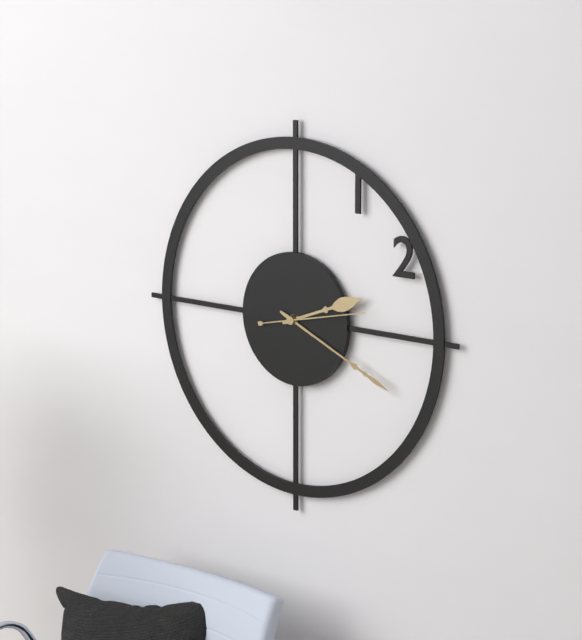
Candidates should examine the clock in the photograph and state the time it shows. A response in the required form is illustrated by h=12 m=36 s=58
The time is h=2 m=19 s=13
